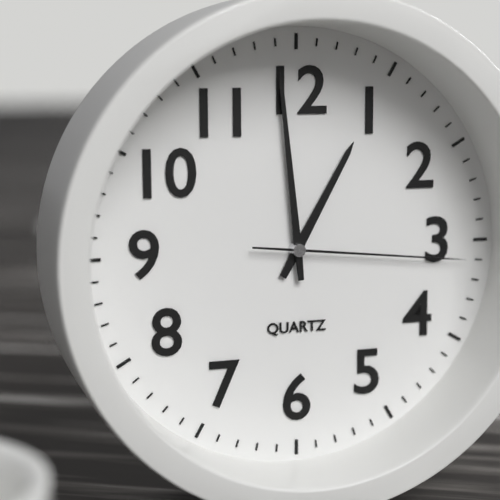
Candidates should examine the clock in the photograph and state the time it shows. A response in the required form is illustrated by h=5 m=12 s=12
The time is h=12 m=59 s=16
